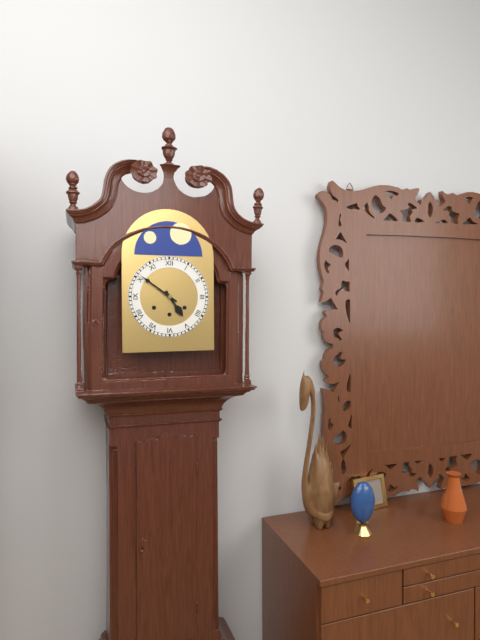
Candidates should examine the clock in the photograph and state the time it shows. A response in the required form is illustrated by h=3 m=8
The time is h=4 m=51
